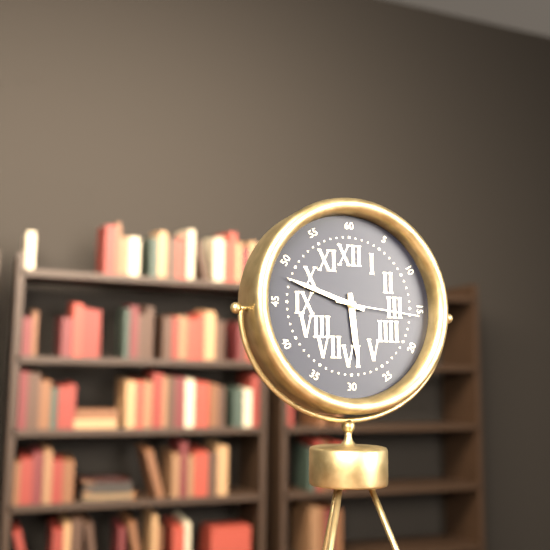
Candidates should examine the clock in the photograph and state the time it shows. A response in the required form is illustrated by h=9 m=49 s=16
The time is h=5 m=48 s=16
